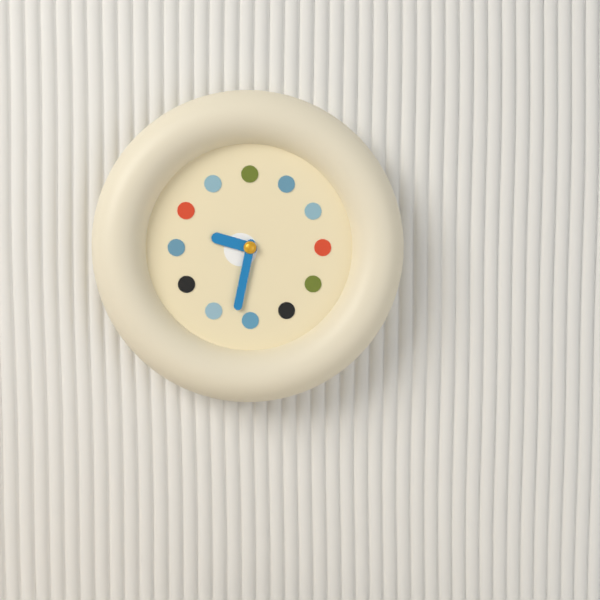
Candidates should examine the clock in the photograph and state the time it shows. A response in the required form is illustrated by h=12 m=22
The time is h=9 m=32
